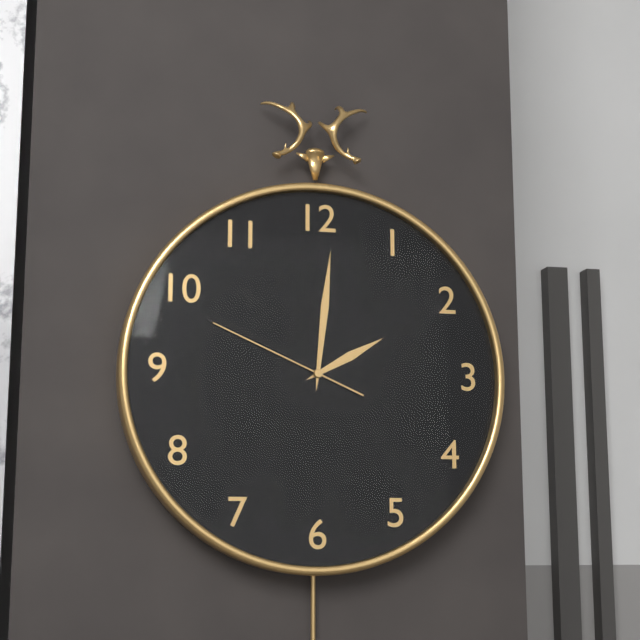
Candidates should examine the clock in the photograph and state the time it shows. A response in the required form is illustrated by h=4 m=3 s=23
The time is h=2 m=1 s=49
